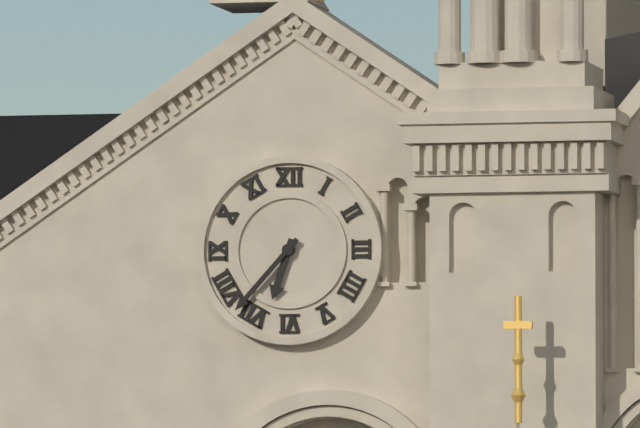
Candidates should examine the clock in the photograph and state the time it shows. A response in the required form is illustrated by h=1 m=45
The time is h=6 m=37
